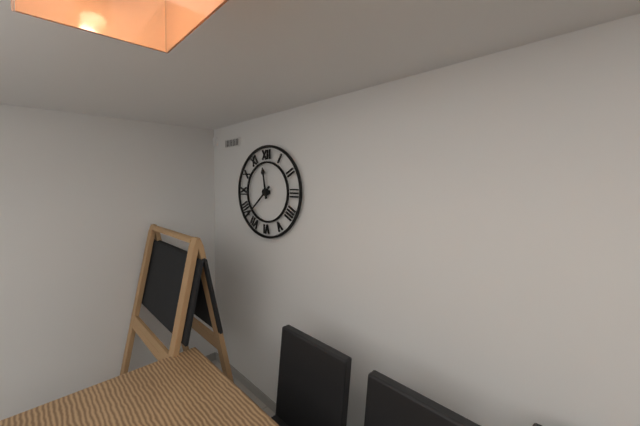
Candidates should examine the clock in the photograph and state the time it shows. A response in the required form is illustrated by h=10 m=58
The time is h=11 m=38
